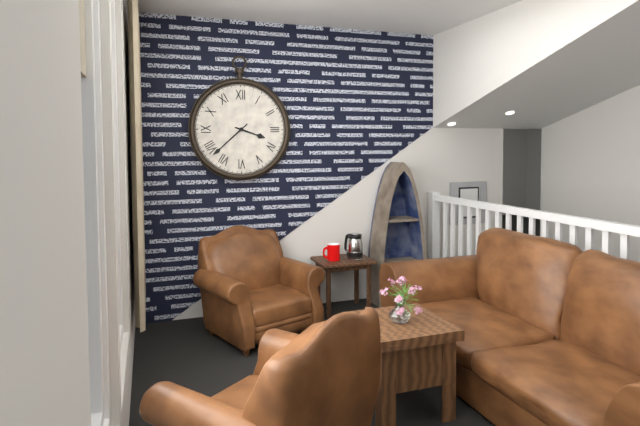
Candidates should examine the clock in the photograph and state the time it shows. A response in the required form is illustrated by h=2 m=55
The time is h=3 m=38
